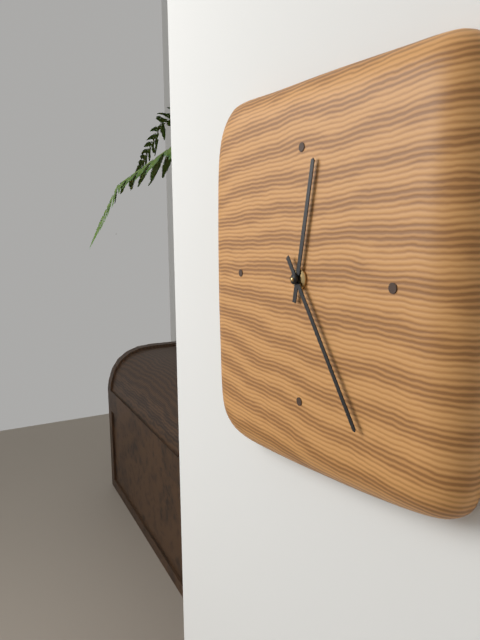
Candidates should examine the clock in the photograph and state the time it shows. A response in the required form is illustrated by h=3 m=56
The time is h=12 m=24
